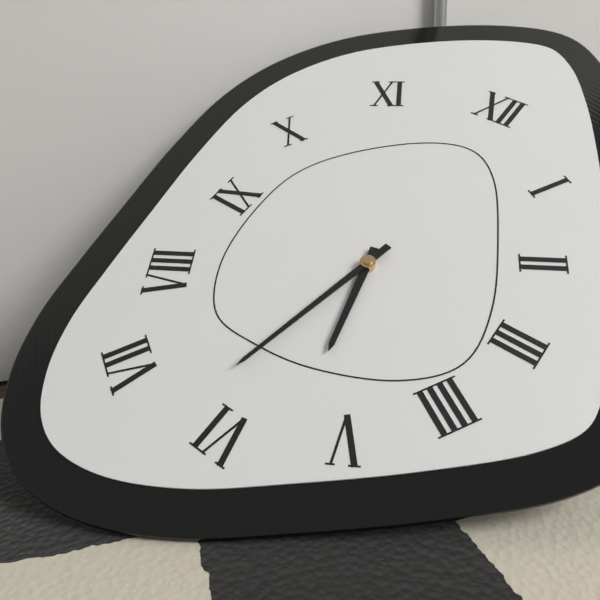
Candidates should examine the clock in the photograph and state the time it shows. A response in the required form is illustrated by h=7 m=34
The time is h=5 m=32
